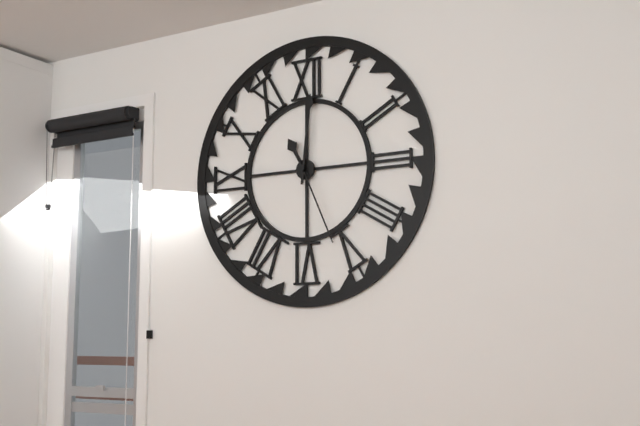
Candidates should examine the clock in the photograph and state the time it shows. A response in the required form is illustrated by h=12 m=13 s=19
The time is h=11 m=1 s=26
